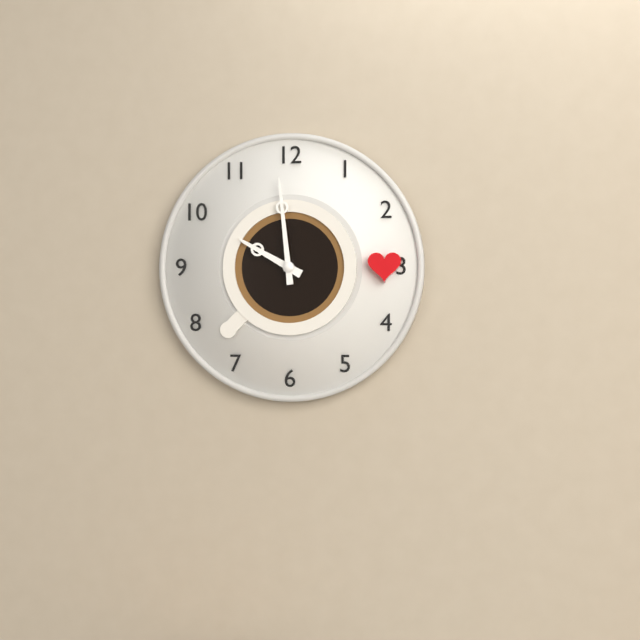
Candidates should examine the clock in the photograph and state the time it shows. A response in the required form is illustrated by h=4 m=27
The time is h=9 m=59
